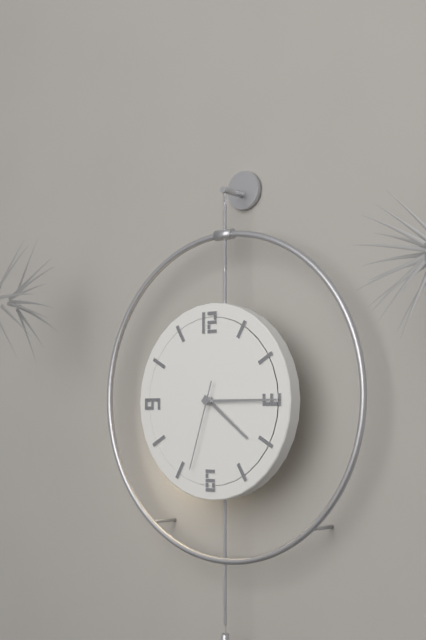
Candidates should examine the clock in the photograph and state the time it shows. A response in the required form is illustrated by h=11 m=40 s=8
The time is h=4 m=15 s=33
